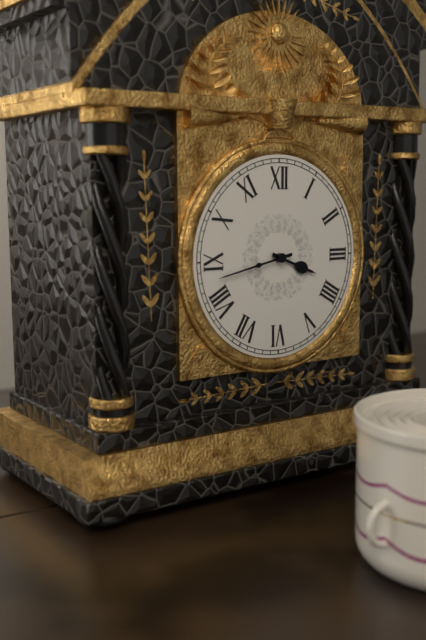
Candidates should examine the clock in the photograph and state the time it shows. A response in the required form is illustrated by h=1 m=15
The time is h=3 m=43
